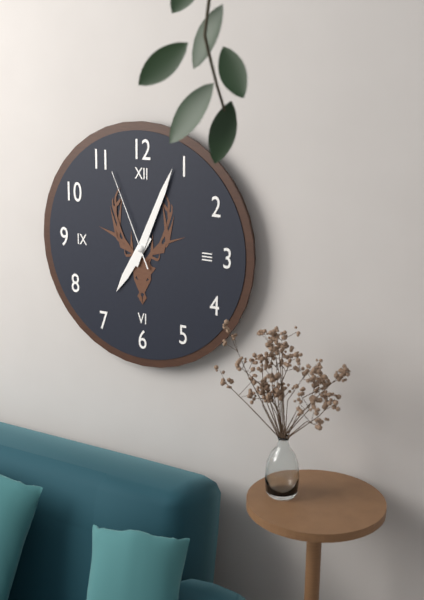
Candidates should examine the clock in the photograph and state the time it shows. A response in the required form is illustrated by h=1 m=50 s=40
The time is h=7 m=4 s=56
